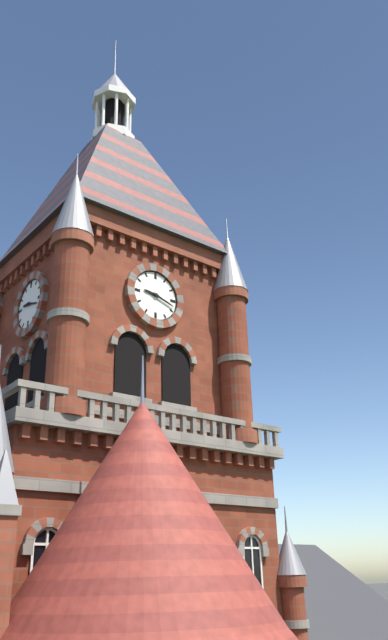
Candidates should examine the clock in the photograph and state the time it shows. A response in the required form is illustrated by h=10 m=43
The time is h=9 m=18
